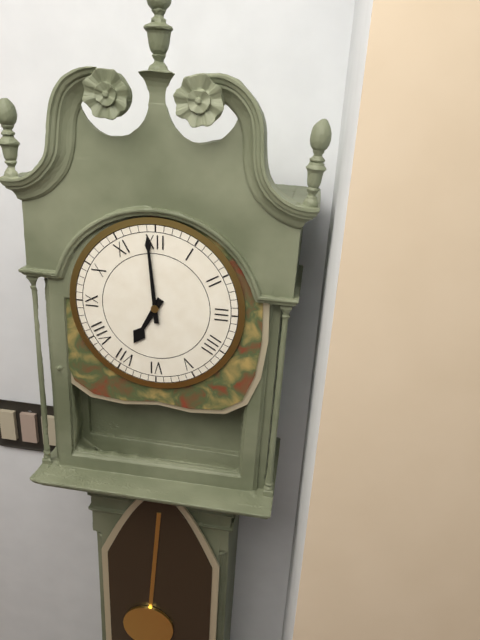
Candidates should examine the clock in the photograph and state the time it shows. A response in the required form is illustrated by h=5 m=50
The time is h=6 m=59
